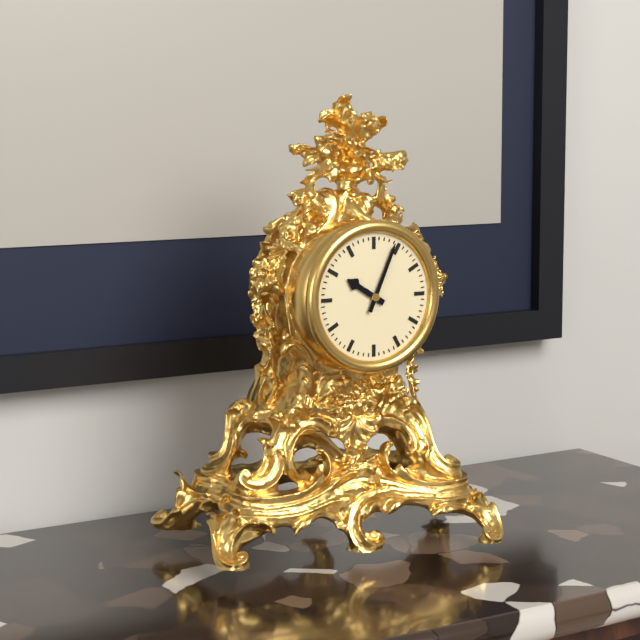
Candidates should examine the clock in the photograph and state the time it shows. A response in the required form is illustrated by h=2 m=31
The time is h=10 m=4
